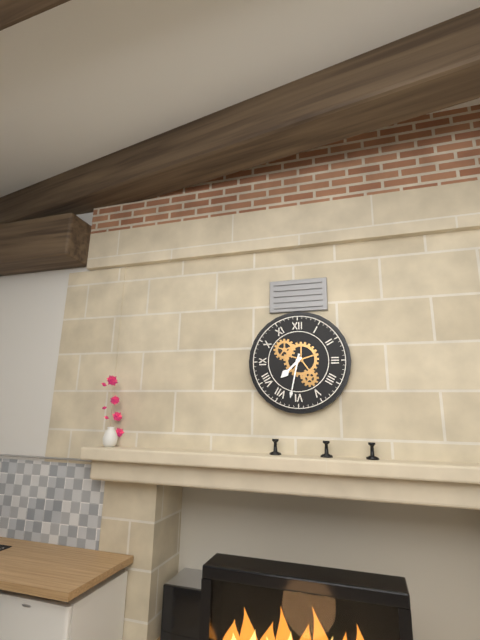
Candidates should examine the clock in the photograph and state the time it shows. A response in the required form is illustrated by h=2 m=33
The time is h=7 m=32
